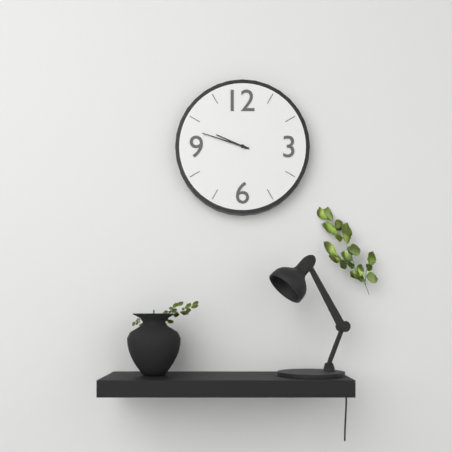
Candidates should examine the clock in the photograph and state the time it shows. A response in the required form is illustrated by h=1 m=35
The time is h=9 m=48
